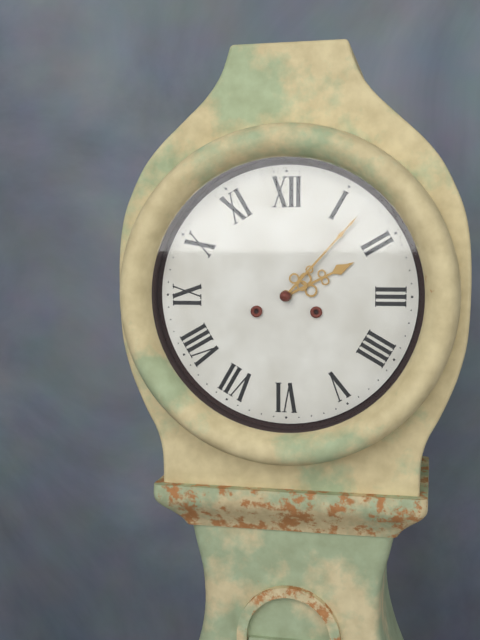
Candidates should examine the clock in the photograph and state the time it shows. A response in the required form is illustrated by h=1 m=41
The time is h=2 m=7
